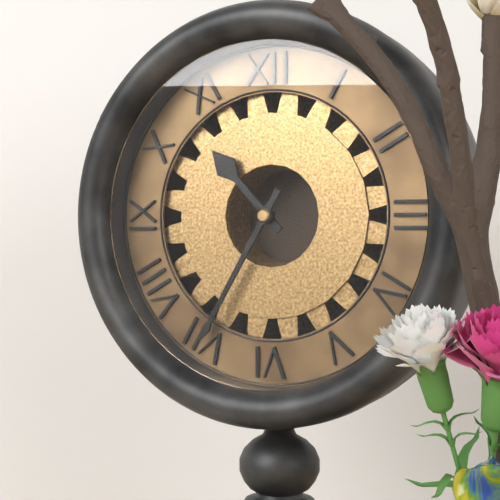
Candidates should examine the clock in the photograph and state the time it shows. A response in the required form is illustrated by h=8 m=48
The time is h=10 m=35
